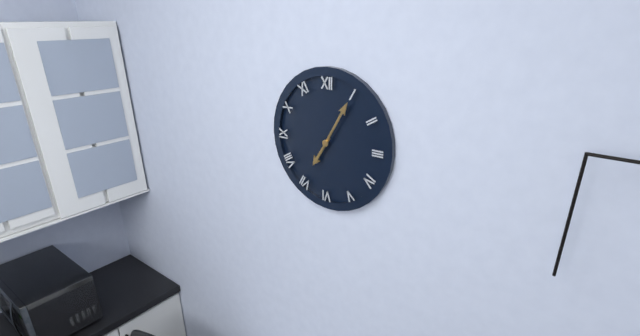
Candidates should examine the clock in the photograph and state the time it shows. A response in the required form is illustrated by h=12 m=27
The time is h=7 m=5
